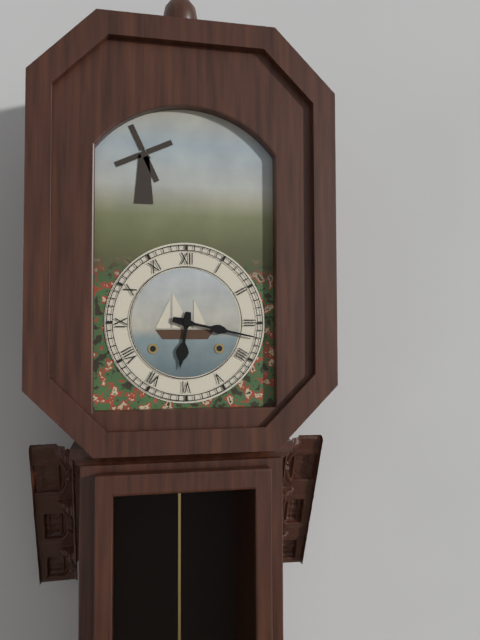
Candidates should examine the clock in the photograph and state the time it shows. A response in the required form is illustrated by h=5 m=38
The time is h=6 m=17
